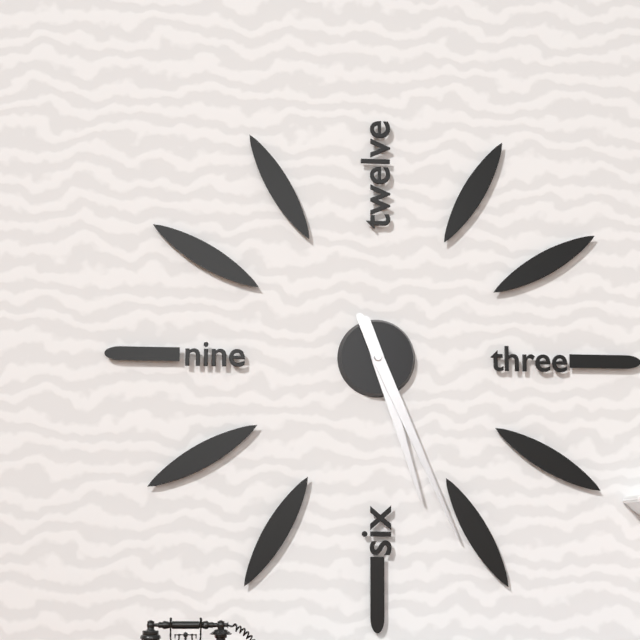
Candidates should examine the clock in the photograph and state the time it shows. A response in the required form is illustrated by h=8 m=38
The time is h=5 m=26
